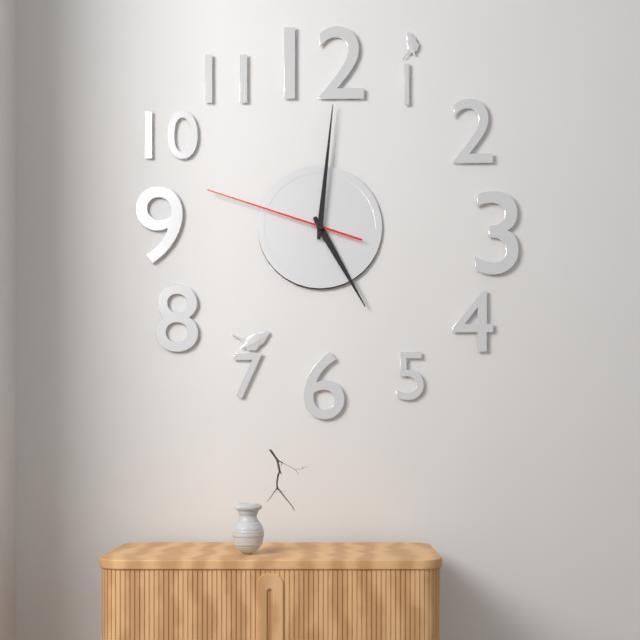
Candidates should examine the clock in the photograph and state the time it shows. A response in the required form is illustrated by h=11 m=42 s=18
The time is h=5 m=1 s=48
